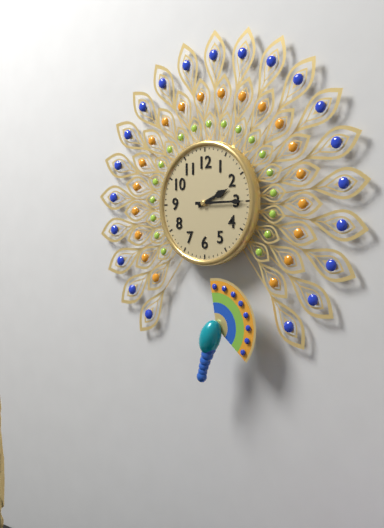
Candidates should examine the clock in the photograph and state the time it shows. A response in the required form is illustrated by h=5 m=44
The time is h=2 m=15
